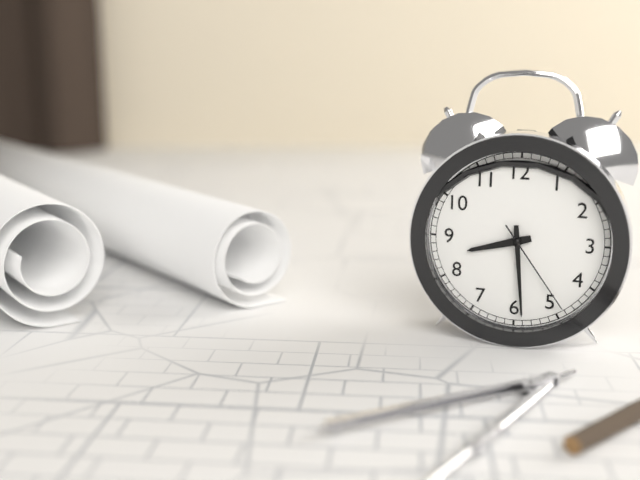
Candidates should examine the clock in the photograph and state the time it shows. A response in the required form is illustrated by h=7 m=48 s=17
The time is h=8 m=29 s=24
